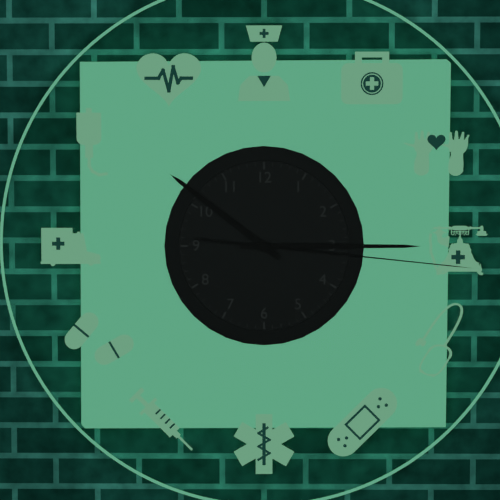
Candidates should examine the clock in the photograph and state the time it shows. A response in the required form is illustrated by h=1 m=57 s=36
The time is h=10 m=15 s=16
